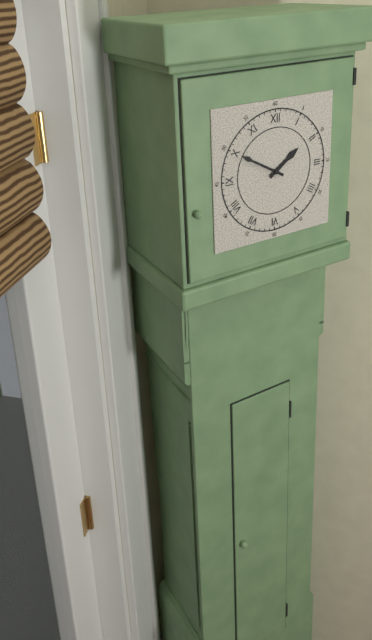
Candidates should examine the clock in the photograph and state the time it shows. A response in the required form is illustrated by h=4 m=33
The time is h=1 m=50
